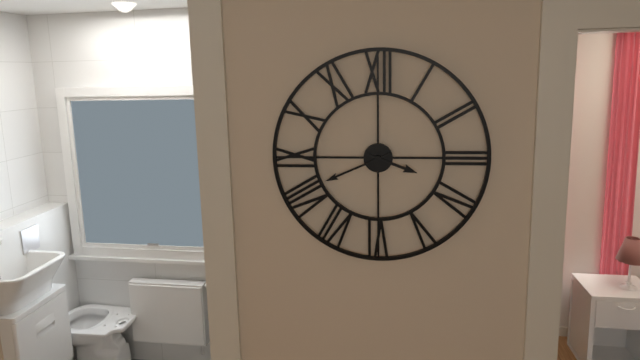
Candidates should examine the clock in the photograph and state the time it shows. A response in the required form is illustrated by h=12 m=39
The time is h=3 m=41
